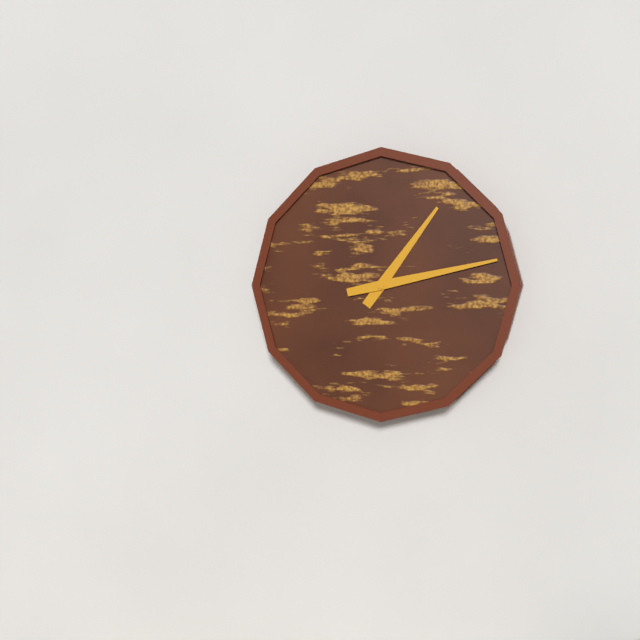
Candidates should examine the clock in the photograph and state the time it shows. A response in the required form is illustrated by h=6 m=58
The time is h=1 m=13
